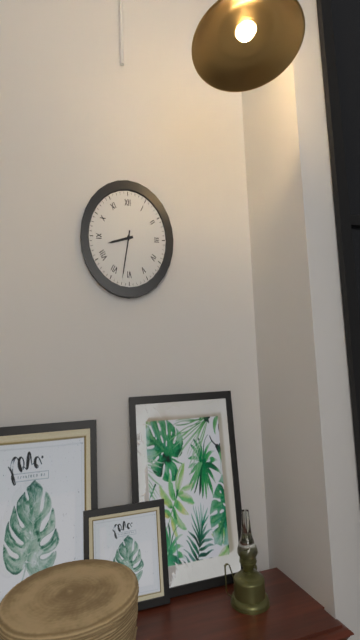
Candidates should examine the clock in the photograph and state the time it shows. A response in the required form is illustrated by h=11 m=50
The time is h=8 m=32
